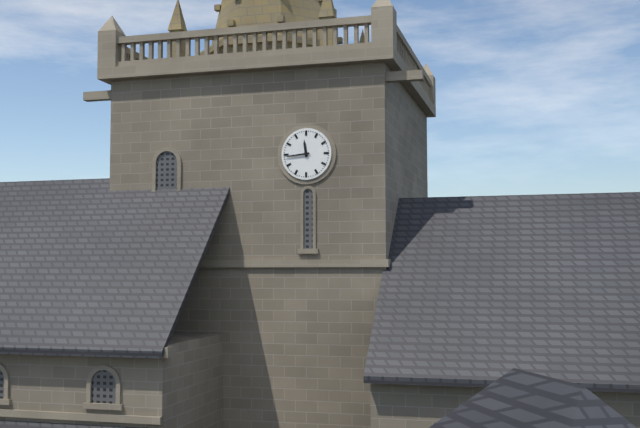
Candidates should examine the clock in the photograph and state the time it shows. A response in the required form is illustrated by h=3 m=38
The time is h=11 m=44
